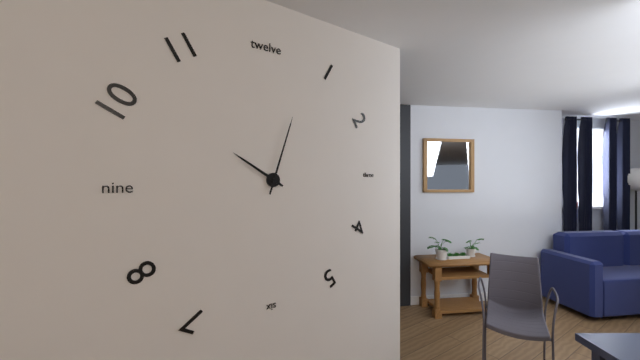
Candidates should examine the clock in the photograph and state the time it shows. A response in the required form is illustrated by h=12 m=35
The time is h=10 m=3
